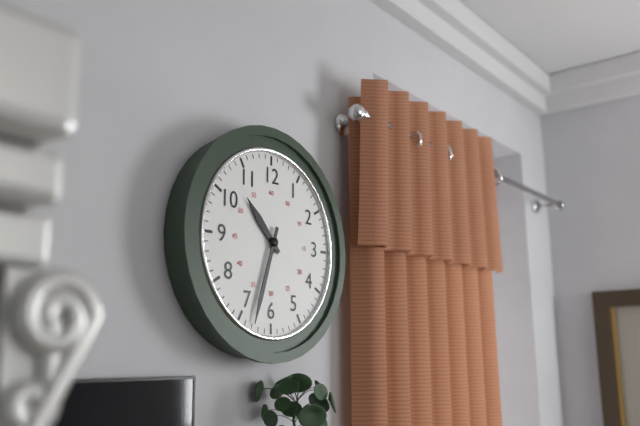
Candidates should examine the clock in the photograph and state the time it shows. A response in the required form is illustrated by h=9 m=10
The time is h=10 m=33
